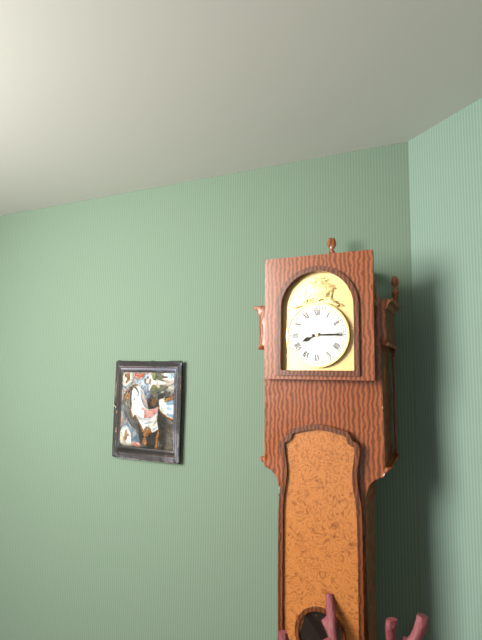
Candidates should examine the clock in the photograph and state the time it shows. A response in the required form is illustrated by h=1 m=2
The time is h=8 m=15
